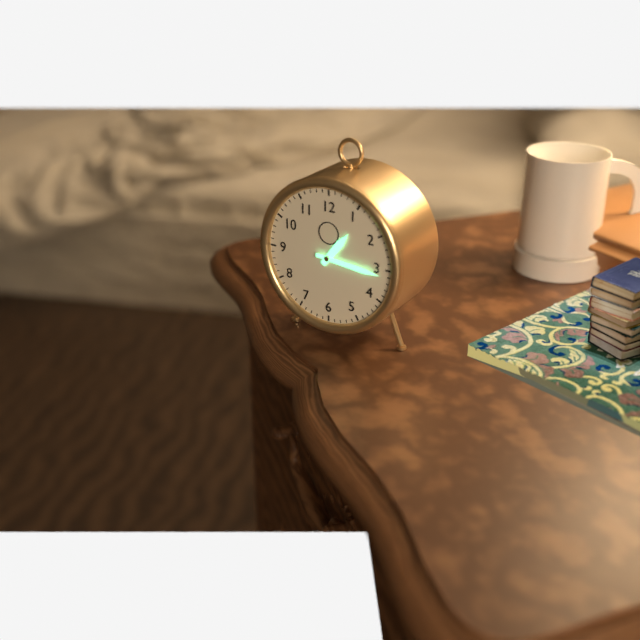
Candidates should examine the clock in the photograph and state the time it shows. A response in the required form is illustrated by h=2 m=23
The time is h=1 m=16
